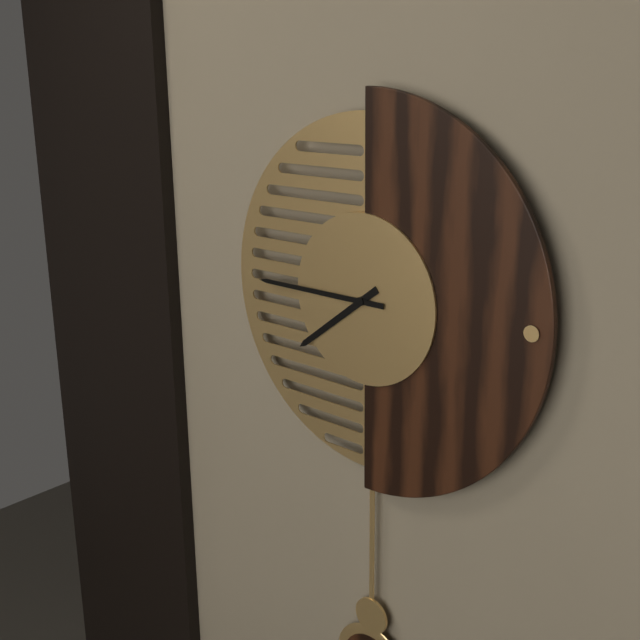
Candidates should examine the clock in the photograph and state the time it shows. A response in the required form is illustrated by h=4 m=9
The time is h=7 m=45
